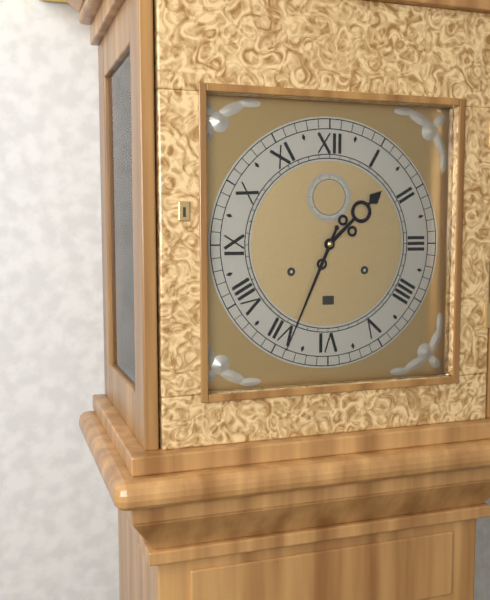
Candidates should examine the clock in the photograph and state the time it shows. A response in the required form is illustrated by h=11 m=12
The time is h=1 m=34
